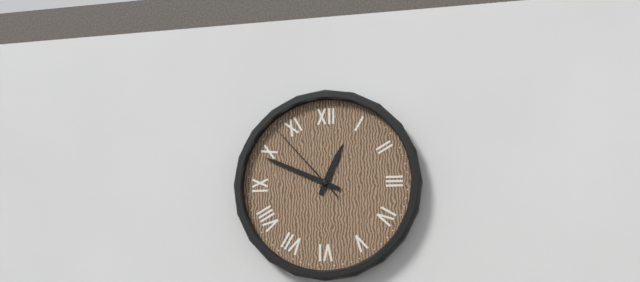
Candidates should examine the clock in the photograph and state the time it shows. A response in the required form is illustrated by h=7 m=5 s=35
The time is h=12 m=49 s=53
